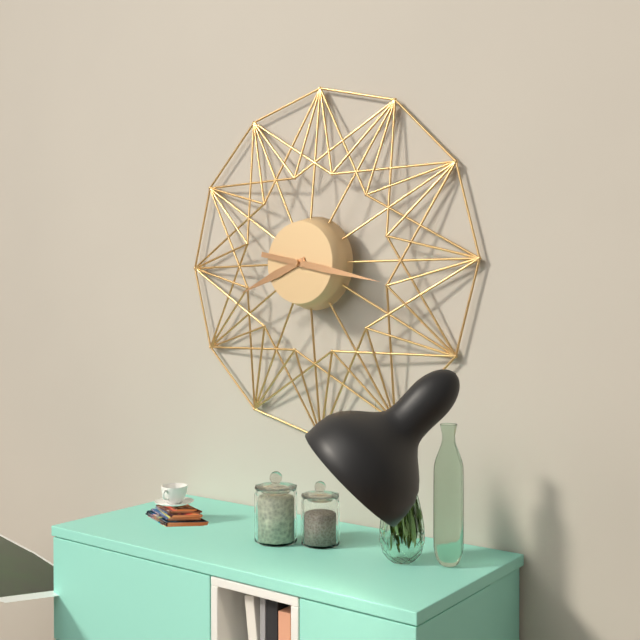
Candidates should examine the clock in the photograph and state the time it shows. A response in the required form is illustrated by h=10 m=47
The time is h=8 m=17
